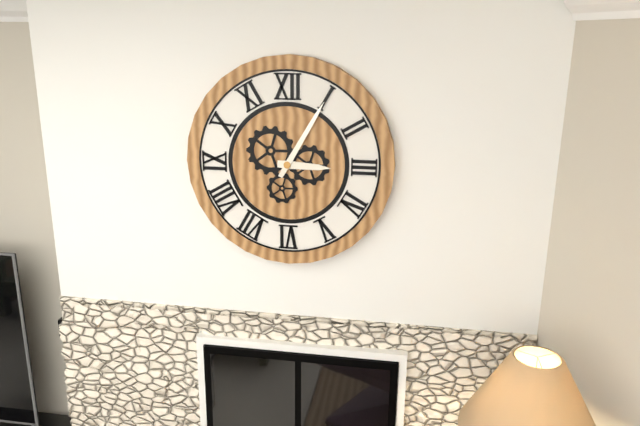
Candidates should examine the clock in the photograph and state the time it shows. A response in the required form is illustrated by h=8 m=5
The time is h=3 m=5
